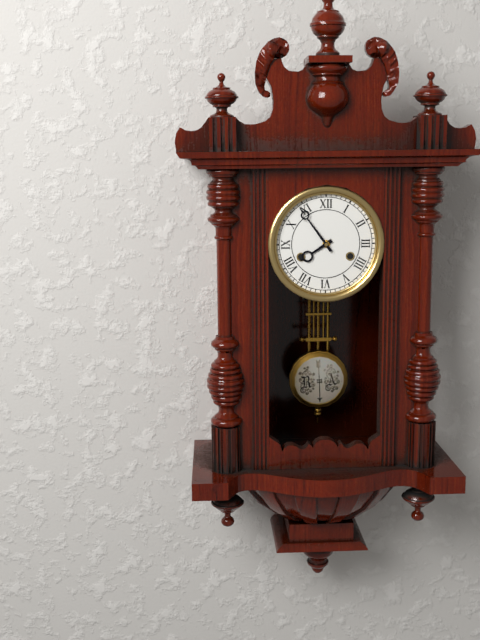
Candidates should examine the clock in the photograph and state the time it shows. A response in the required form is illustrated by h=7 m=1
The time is h=7 m=54
